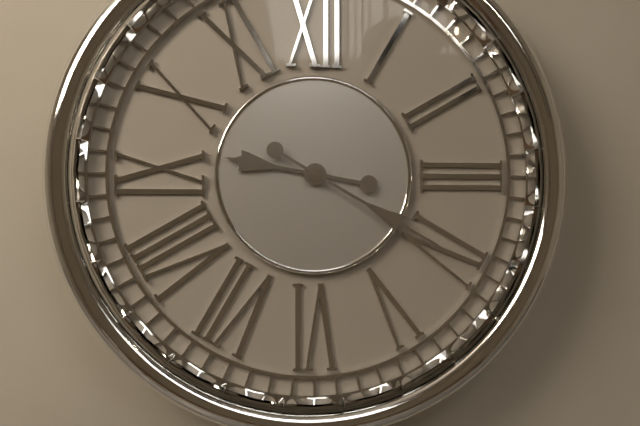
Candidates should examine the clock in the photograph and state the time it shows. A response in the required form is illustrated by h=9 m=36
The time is h=9 m=20
